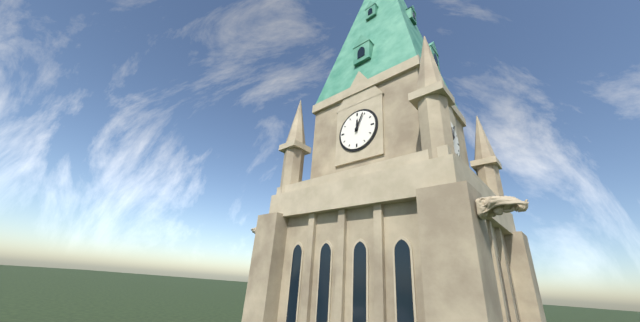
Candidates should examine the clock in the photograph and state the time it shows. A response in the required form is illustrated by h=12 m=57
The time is h=12 m=4
